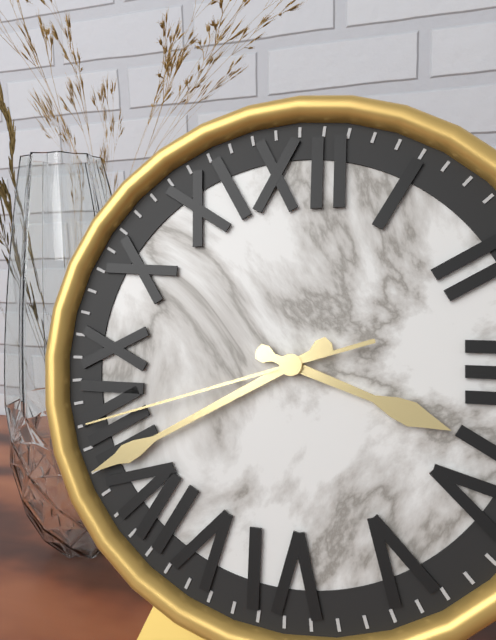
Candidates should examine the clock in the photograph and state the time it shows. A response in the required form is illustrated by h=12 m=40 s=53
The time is h=3 m=40 s=42
